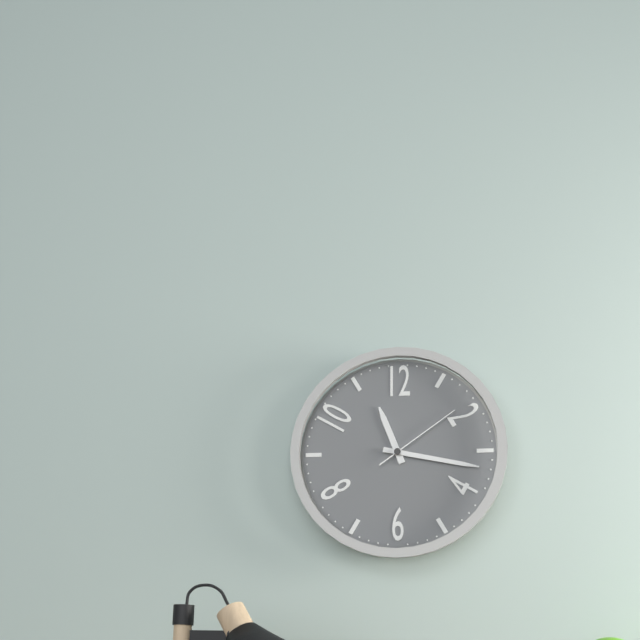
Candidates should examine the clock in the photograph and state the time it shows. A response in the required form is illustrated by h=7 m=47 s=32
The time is h=11 m=17 s=9
